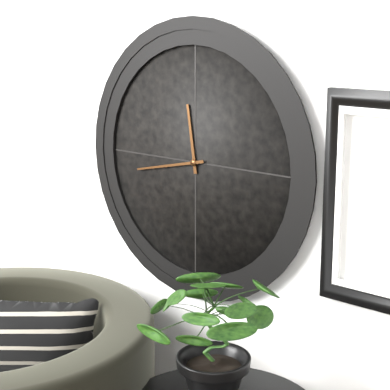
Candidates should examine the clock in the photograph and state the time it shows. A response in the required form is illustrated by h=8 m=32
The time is h=11 m=43
